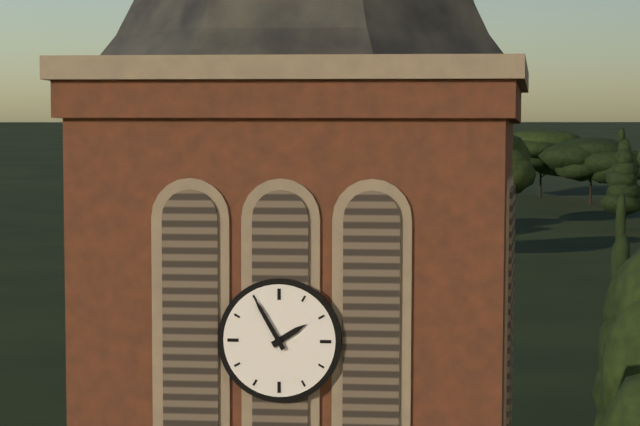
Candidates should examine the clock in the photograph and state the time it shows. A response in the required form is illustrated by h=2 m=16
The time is h=1 m=55
